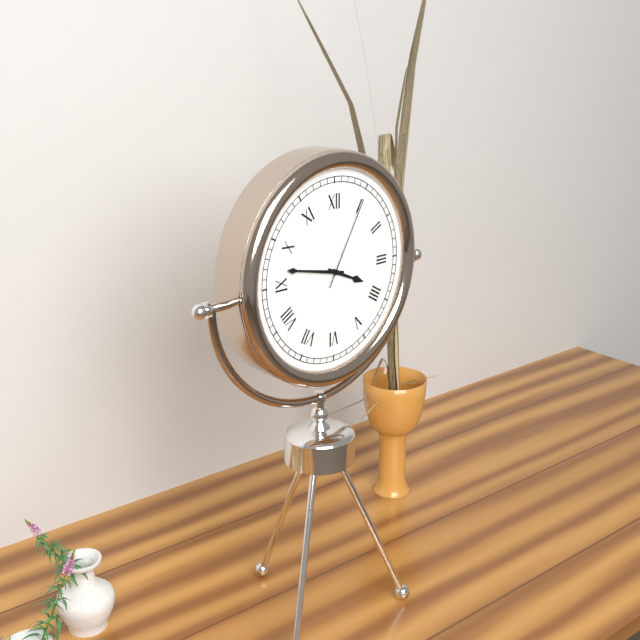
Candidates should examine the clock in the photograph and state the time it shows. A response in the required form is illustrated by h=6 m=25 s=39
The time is h=3 m=47 s=5
